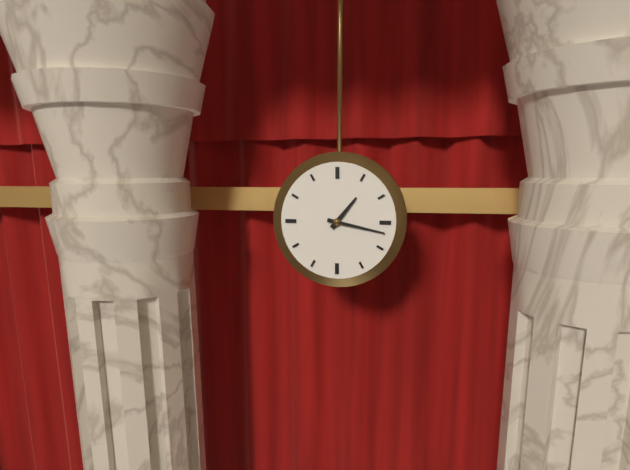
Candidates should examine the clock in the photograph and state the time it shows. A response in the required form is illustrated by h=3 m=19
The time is h=1 m=17
